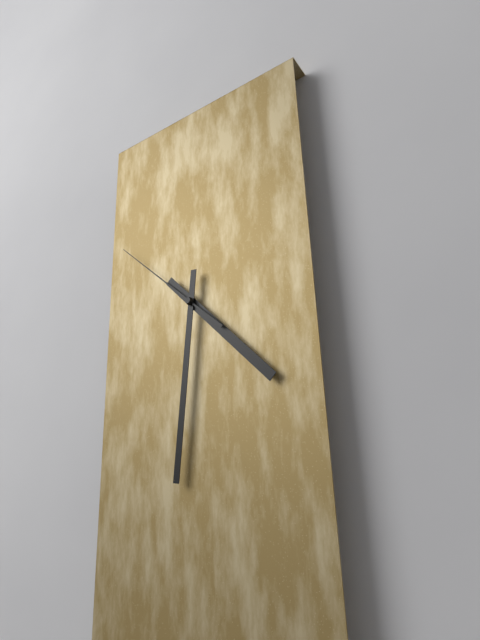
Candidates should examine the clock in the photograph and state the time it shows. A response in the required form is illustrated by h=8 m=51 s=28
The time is h=4 m=31 s=52
